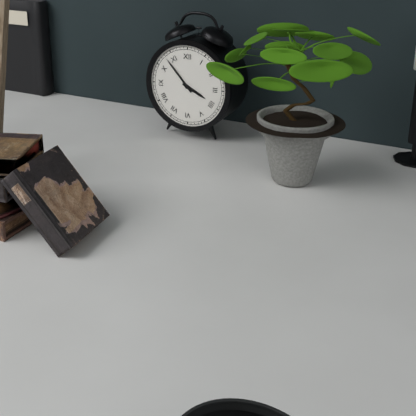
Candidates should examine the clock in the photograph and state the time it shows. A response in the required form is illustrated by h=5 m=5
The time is h=3 m=53
